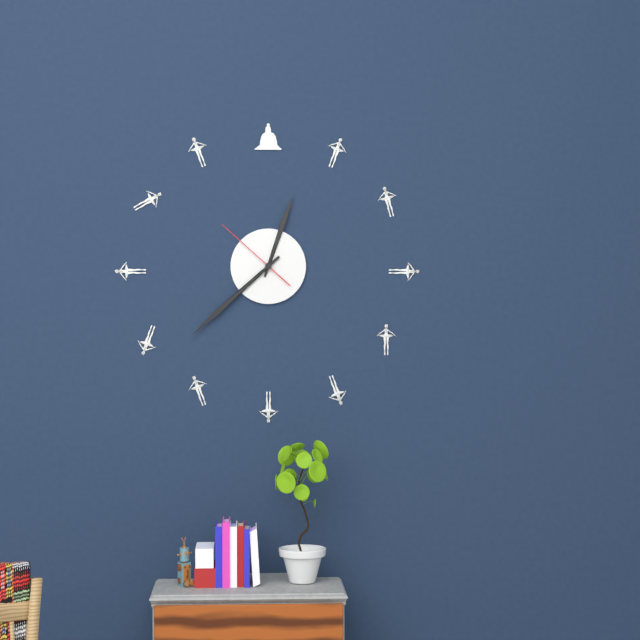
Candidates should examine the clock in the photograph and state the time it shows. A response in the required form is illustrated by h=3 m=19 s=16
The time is h=12 m=38 s=52
